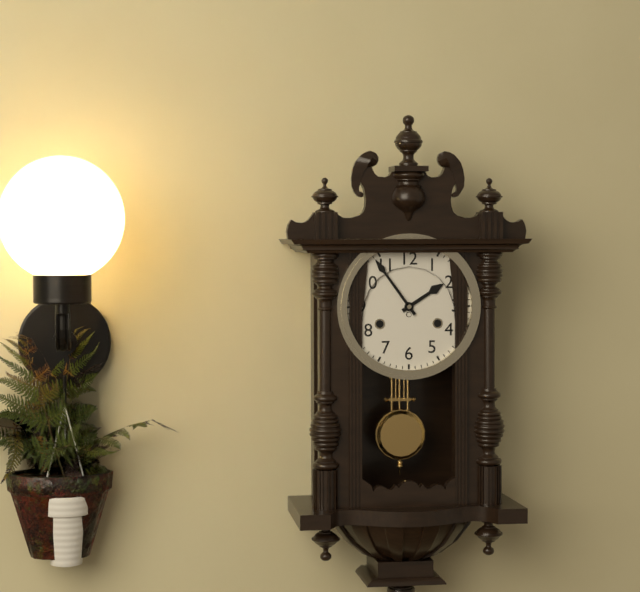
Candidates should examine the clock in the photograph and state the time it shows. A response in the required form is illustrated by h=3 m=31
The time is h=1 m=54
